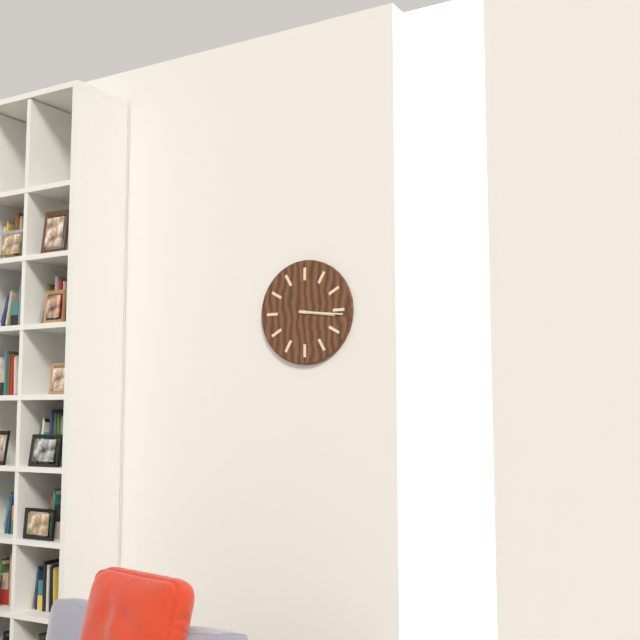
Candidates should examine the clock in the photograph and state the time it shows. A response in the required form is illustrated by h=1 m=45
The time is h=3 m=16
